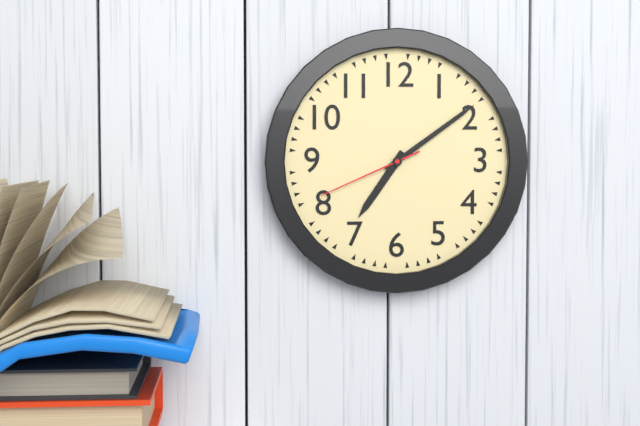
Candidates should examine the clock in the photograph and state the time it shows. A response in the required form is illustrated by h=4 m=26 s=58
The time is h=7 m=9 s=41
